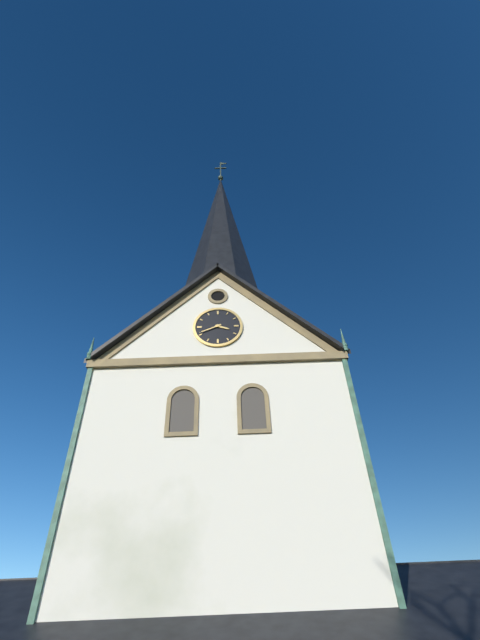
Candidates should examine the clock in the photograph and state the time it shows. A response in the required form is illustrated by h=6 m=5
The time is h=3 m=41
